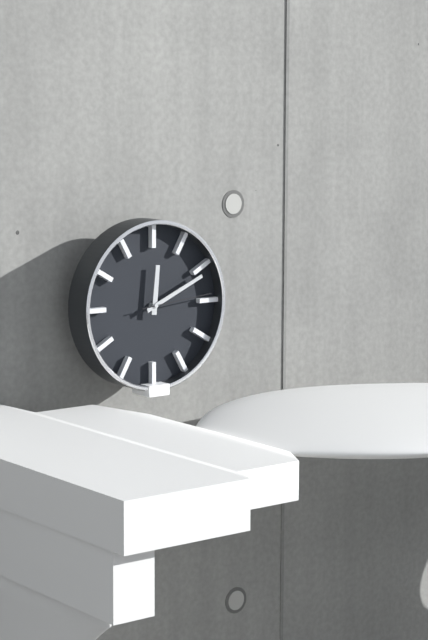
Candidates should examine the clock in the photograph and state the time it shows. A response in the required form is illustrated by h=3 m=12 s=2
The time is h=12 m=11 s=14
